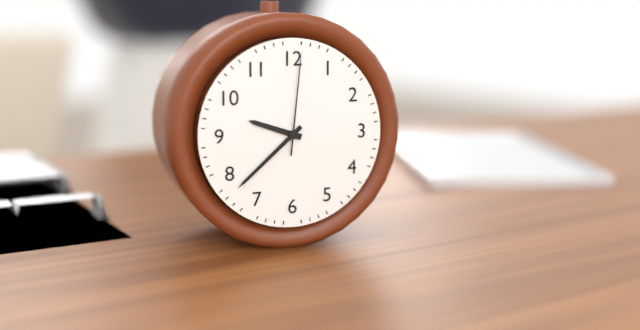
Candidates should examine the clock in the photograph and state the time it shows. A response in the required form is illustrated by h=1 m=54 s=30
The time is h=9 m=38 s=1
